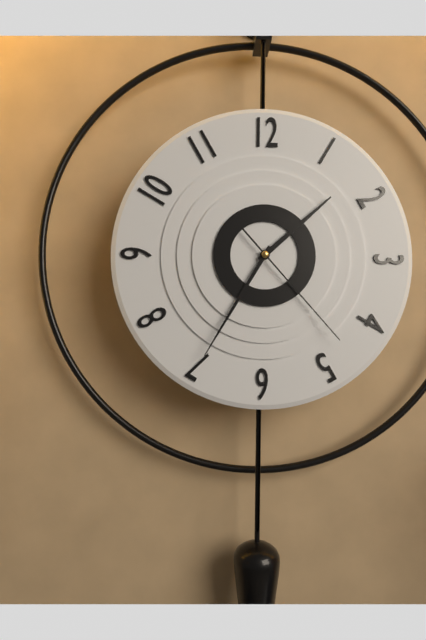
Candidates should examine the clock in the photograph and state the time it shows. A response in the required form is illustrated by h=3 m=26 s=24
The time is h=1 m=35 s=23
